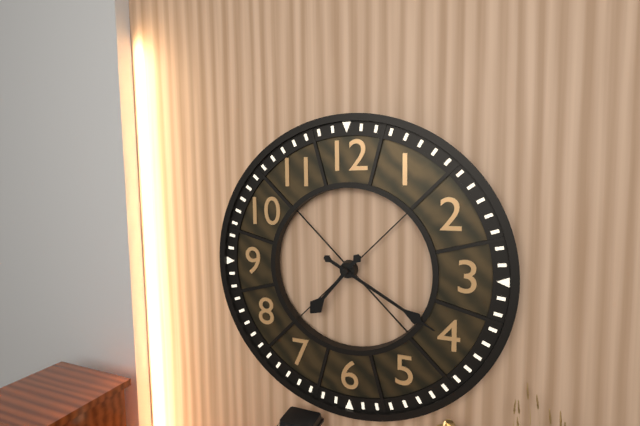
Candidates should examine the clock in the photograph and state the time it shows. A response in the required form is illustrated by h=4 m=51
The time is h=7 m=20
